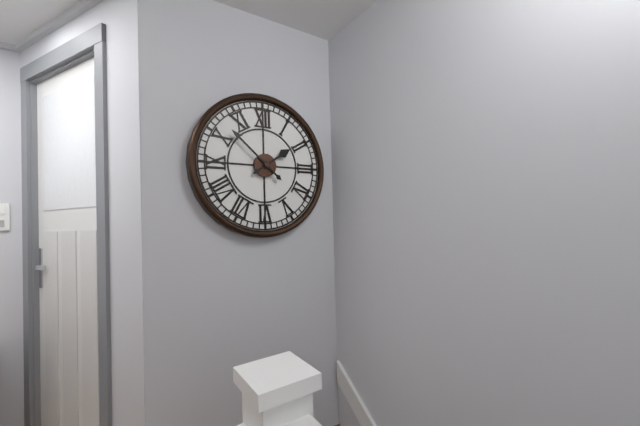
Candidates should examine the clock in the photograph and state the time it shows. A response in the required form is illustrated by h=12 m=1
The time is h=1 m=52
